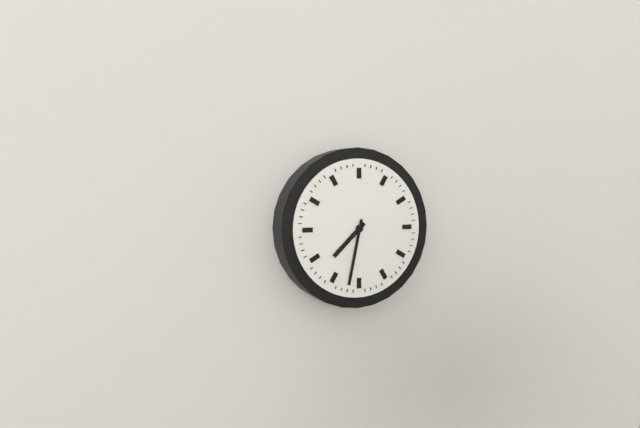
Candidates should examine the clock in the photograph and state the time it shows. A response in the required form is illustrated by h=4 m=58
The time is h=7 m=32
